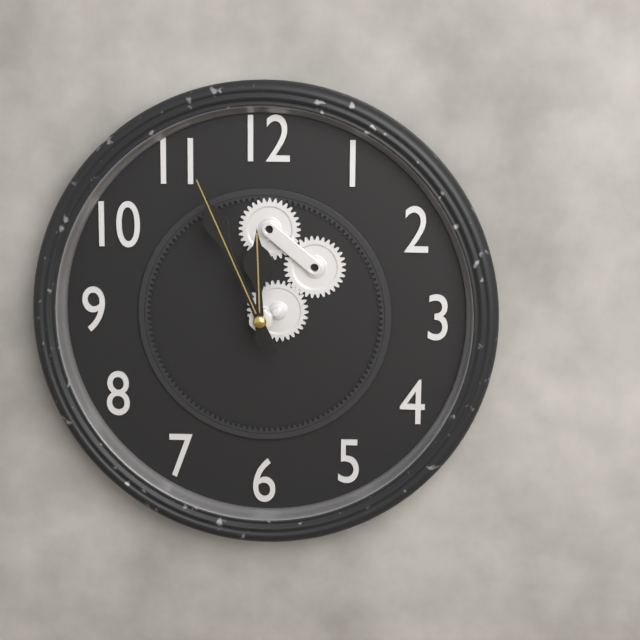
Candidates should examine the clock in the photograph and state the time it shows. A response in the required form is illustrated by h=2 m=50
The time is h=11 m=56
